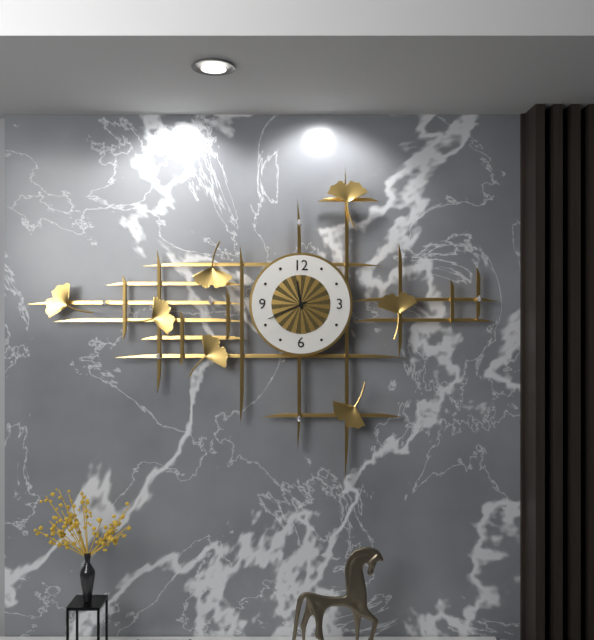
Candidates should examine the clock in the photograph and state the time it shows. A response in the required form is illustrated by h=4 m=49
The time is h=11 m=41
